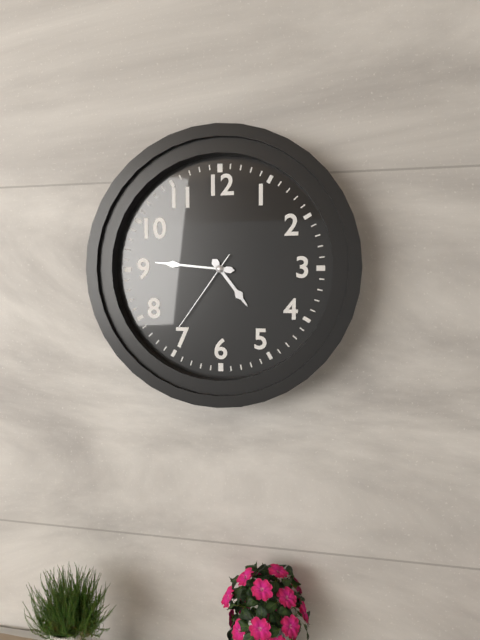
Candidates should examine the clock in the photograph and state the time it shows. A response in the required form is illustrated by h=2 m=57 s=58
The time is h=4 m=46 s=36
